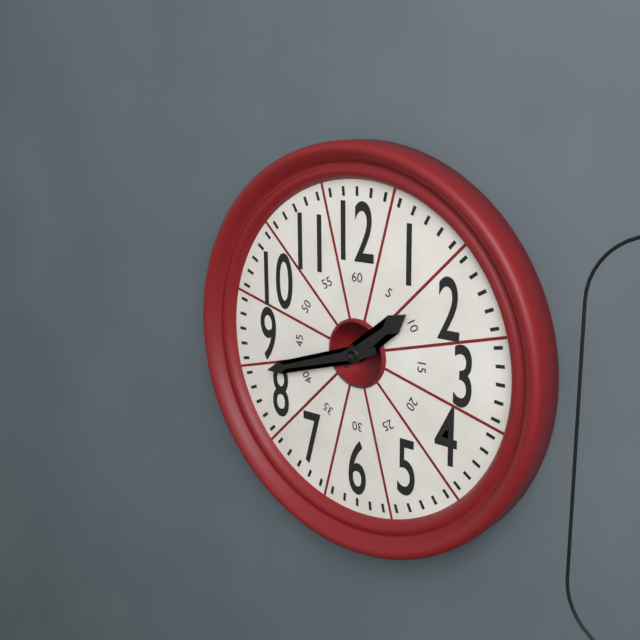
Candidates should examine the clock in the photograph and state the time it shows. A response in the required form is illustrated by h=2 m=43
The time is h=1 m=42
